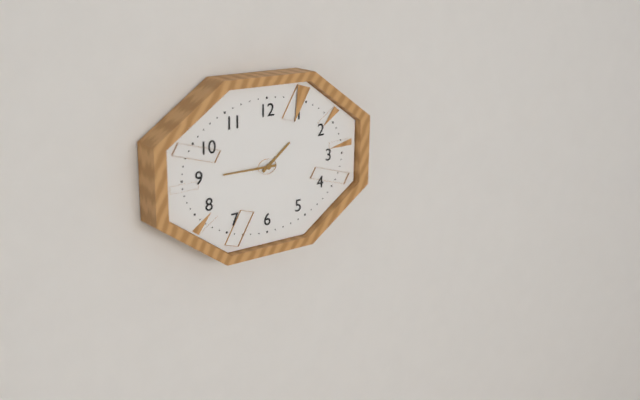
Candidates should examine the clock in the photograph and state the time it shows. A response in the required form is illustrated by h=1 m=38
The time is h=1 m=45
